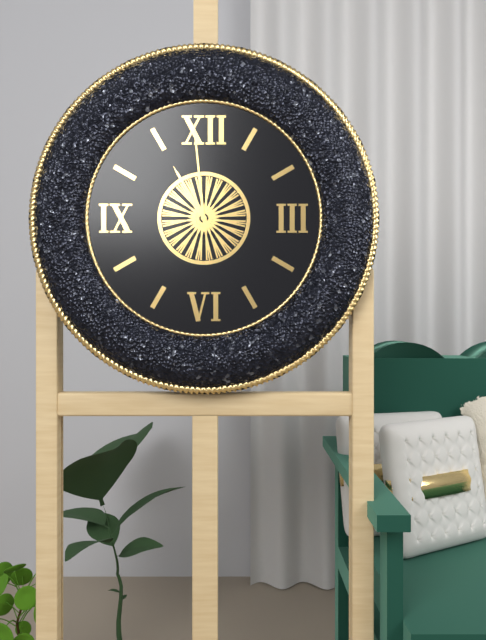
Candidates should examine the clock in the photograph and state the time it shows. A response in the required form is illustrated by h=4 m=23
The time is h=10 m=59
